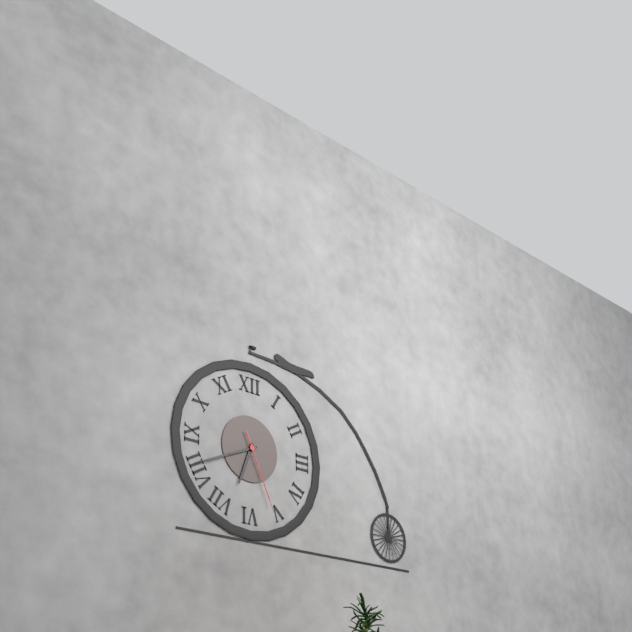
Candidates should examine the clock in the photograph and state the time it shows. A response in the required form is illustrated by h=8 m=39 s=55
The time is h=6 m=41 s=26
